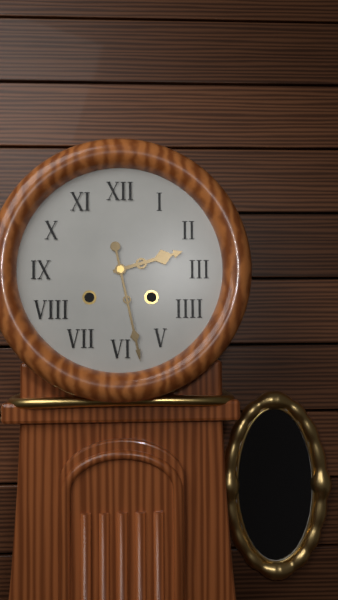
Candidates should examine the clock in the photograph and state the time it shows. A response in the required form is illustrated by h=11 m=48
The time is h=2 m=28
